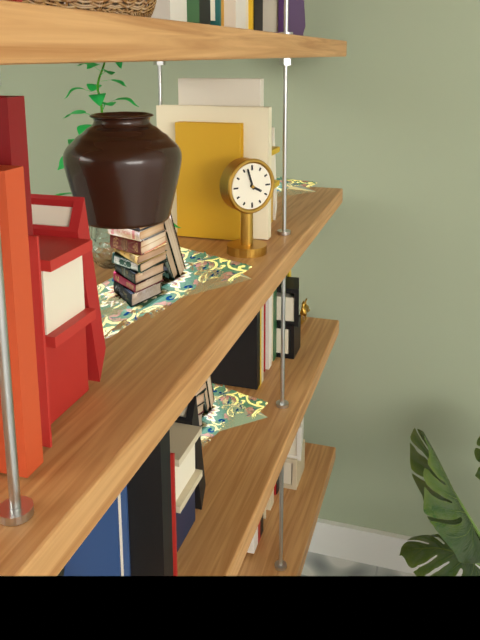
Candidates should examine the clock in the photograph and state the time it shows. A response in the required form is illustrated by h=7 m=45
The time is h=3 m=57
